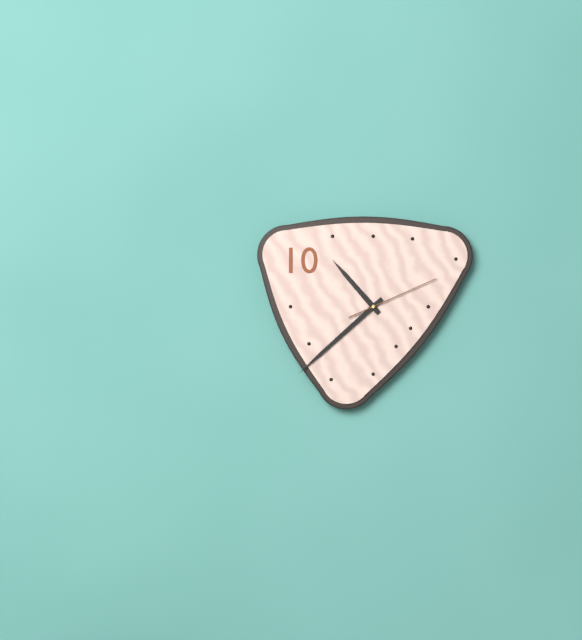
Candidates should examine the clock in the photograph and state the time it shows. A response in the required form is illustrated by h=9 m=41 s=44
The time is h=10 m=38 s=11
